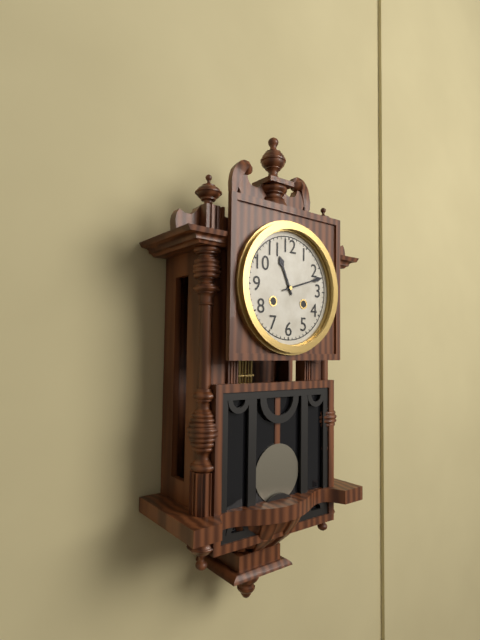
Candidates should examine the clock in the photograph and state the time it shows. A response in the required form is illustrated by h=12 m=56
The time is h=11 m=12
